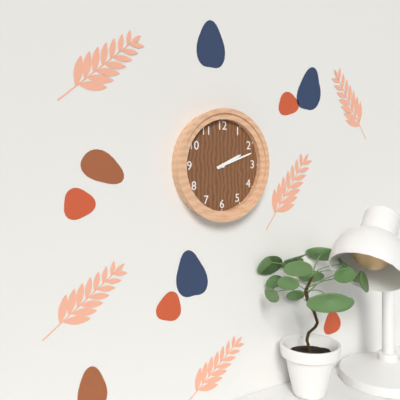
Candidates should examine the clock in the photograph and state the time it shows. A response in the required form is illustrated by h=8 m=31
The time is h=2 m=12
